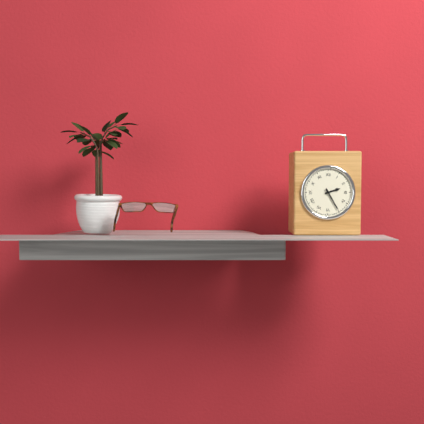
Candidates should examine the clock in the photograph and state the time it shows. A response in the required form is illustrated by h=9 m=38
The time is h=2 m=25
